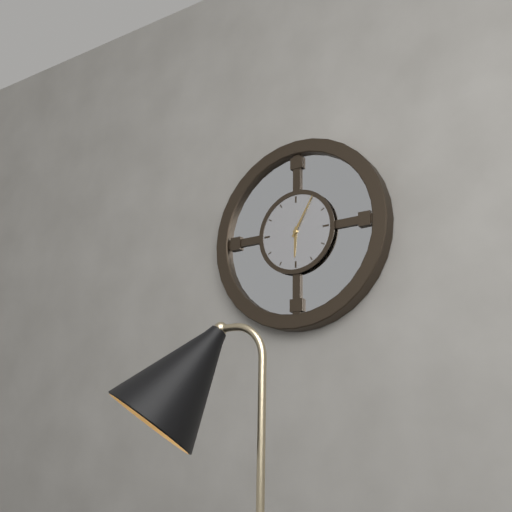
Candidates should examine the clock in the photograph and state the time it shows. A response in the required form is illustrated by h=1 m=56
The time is h=6 m=5
